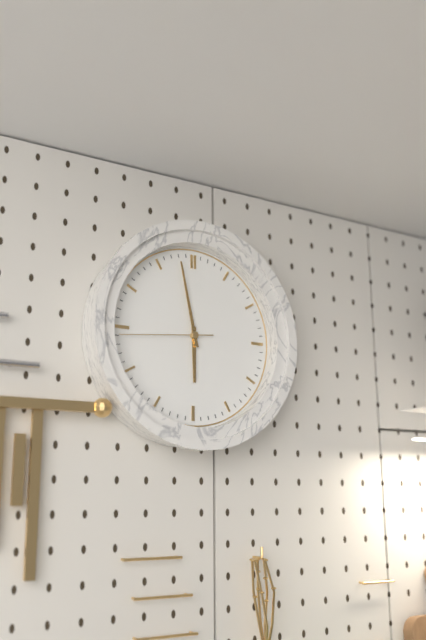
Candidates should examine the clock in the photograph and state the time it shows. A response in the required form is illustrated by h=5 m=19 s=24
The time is h=5 m=58 s=44
